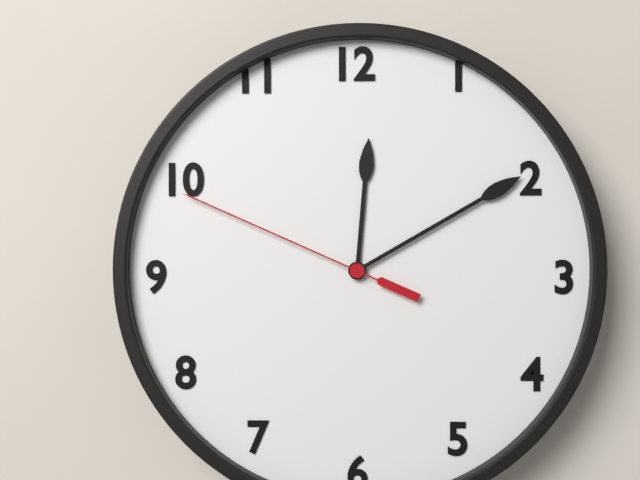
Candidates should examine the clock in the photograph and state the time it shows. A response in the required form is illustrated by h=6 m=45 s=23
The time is h=12 m=10 s=49
